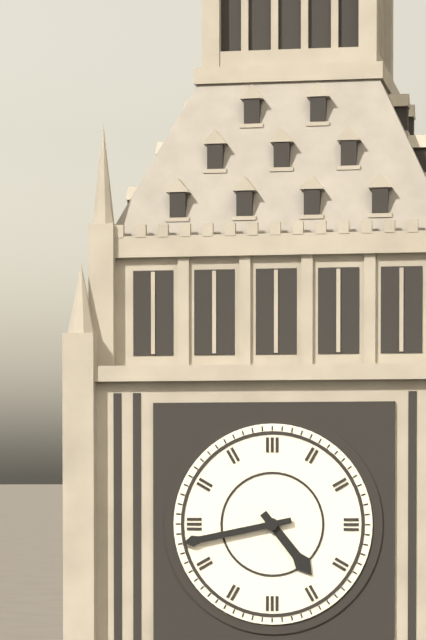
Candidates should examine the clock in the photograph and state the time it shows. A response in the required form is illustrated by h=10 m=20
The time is h=4 m=43
